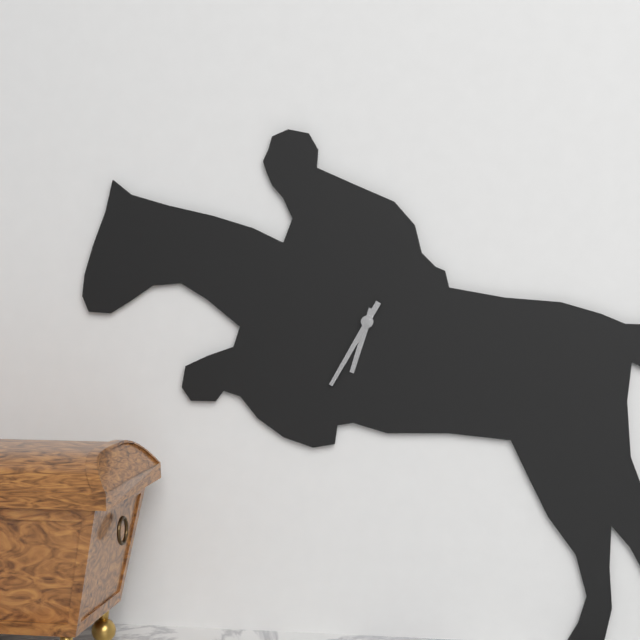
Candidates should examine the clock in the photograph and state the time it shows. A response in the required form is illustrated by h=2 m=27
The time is h=6 m=35
